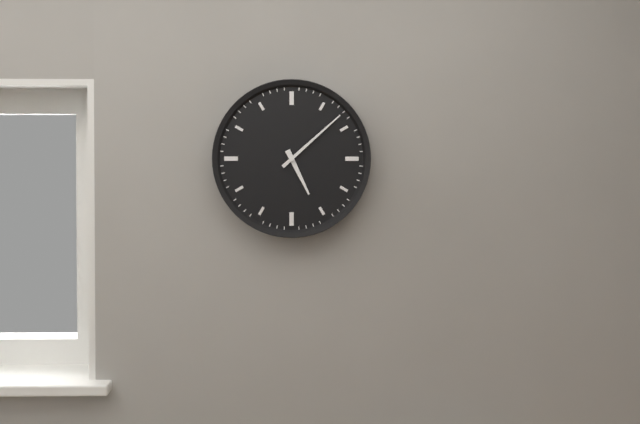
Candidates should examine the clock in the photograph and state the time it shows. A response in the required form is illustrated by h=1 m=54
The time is h=5 m=8
